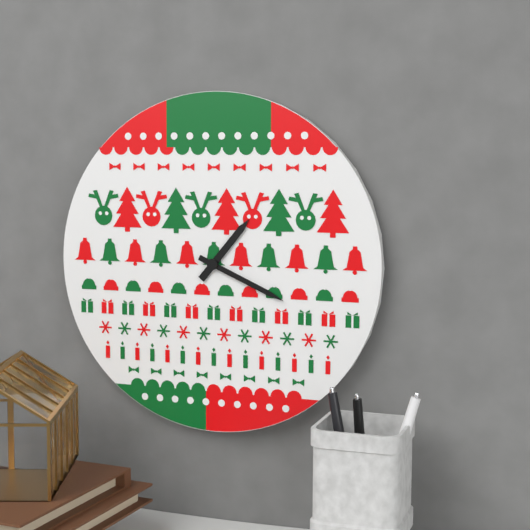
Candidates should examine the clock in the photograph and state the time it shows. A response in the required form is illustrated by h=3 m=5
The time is h=1 m=19
